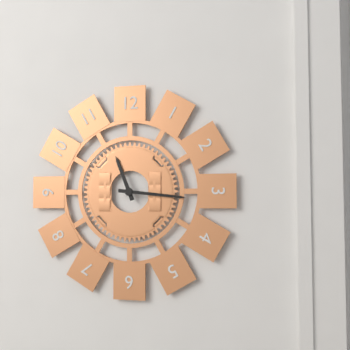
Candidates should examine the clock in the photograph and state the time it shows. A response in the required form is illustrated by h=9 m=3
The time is h=11 m=16
